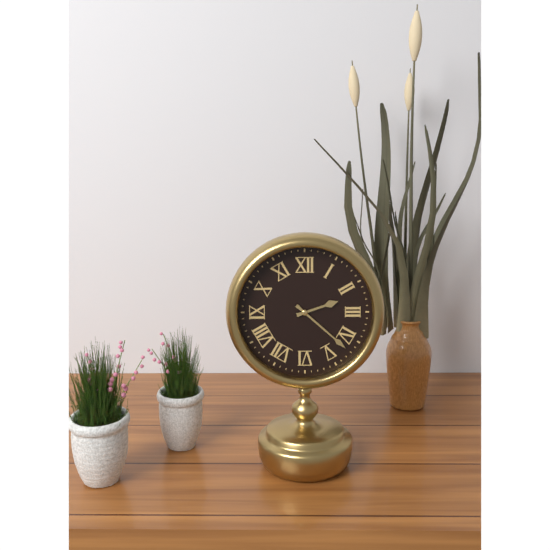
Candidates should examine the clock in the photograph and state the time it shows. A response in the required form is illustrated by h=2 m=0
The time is h=2 m=22
